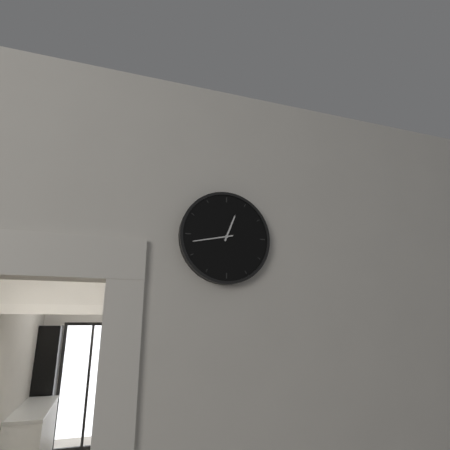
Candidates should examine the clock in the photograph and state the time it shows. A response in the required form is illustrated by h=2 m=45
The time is h=12 m=43
